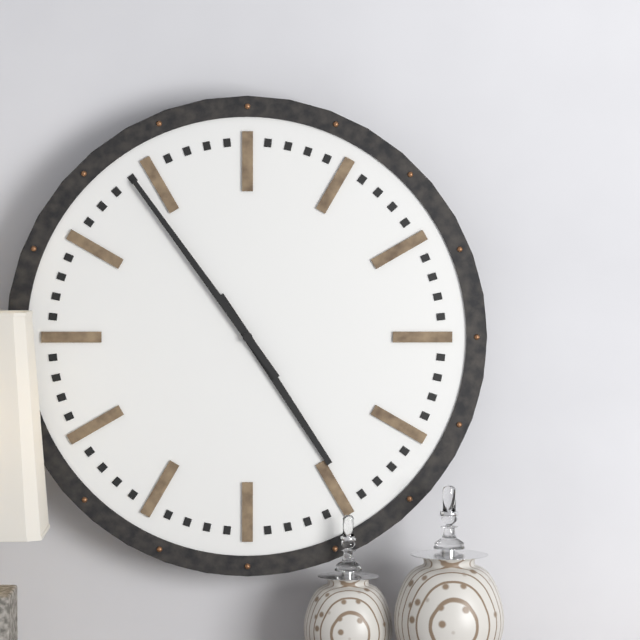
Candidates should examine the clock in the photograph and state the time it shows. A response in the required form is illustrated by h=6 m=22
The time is h=4 m=54
